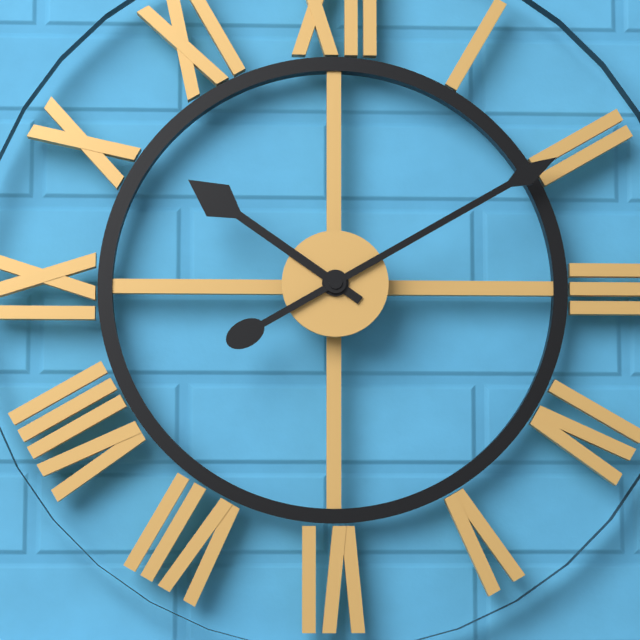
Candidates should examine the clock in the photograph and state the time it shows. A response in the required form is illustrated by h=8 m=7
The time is h=10 m=10
